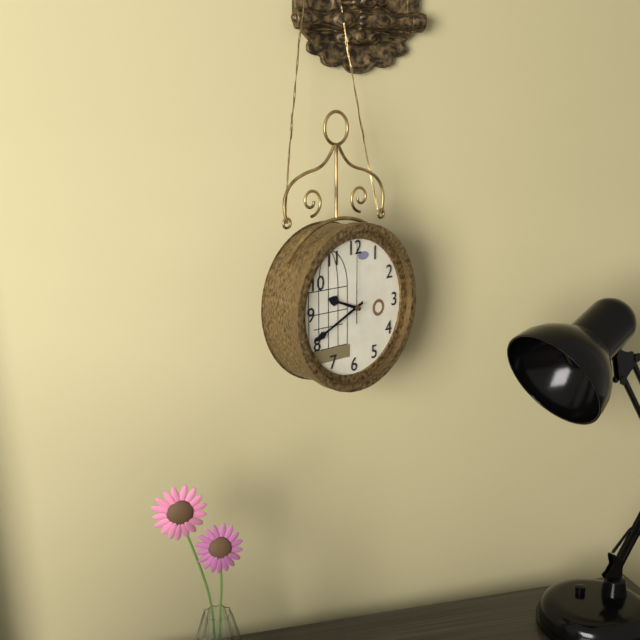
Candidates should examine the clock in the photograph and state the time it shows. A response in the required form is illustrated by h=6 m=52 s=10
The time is h=9 m=41 s=0
